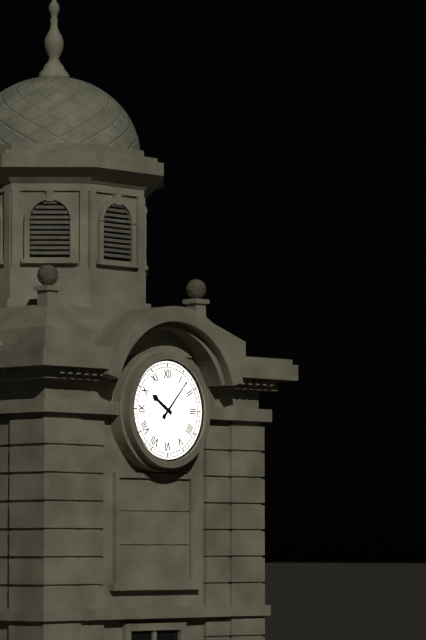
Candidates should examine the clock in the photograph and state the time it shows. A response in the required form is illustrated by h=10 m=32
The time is h=10 m=7
